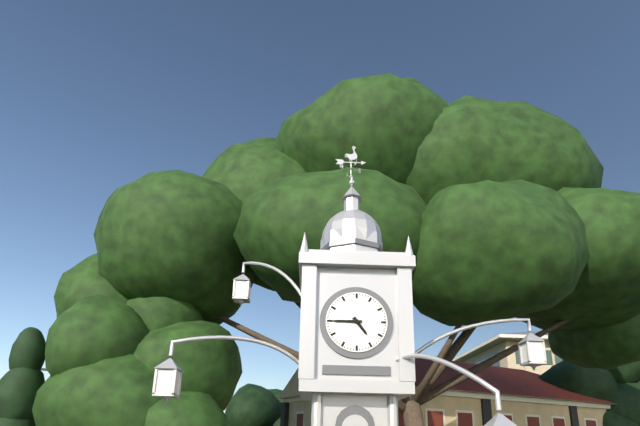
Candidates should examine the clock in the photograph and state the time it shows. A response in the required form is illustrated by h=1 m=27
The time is h=4 m=45
